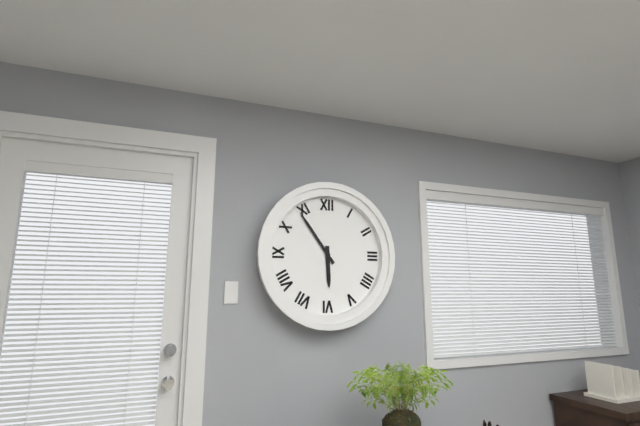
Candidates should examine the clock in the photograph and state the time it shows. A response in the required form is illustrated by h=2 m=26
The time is h=5 m=54
